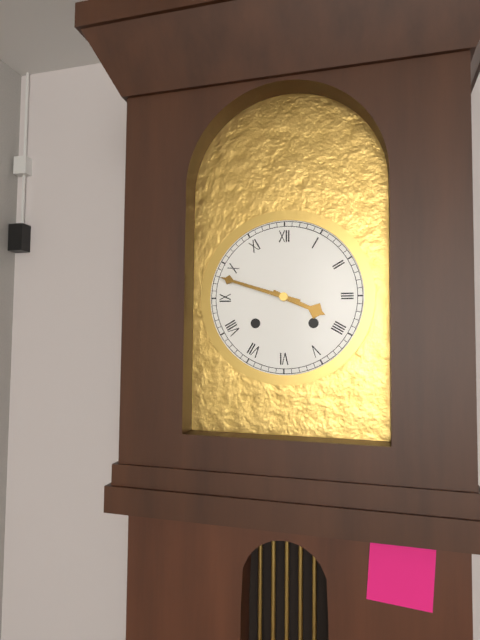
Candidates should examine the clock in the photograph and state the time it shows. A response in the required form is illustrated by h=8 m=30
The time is h=3 m=48
